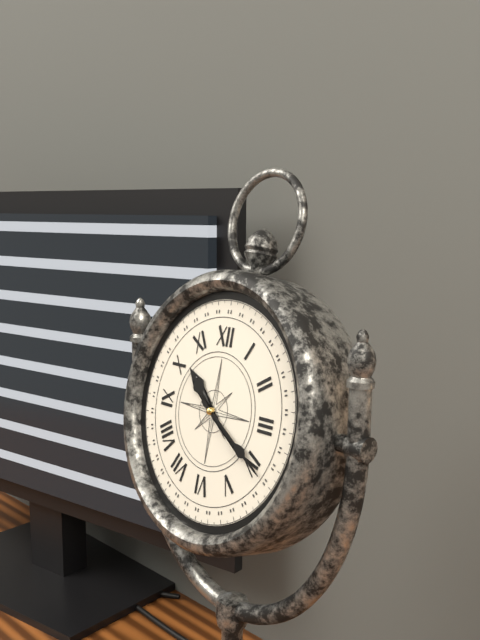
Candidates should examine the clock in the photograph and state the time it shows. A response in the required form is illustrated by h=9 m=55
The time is h=10 m=20
